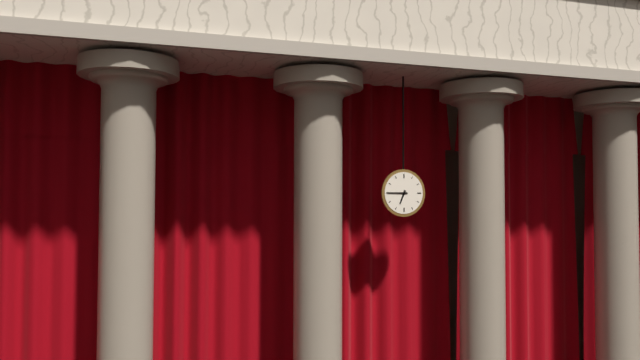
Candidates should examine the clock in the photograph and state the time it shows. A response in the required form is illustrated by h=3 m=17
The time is h=6 m=45
